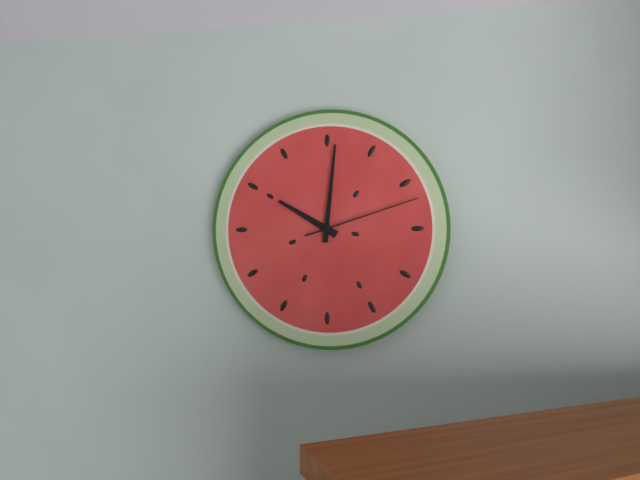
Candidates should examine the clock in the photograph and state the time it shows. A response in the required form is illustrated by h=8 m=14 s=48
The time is h=10 m=1 s=12
